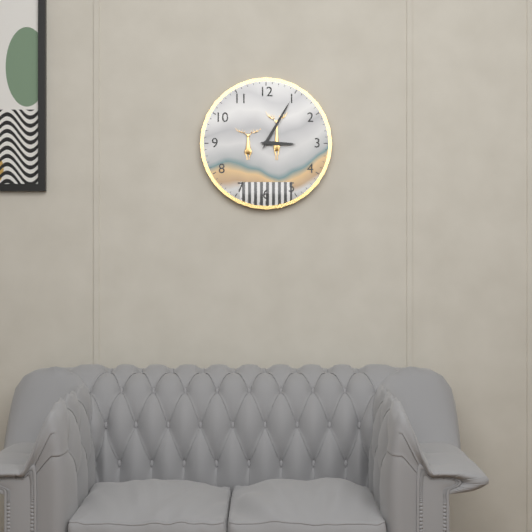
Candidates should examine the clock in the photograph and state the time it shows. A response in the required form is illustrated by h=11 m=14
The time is h=3 m=5
